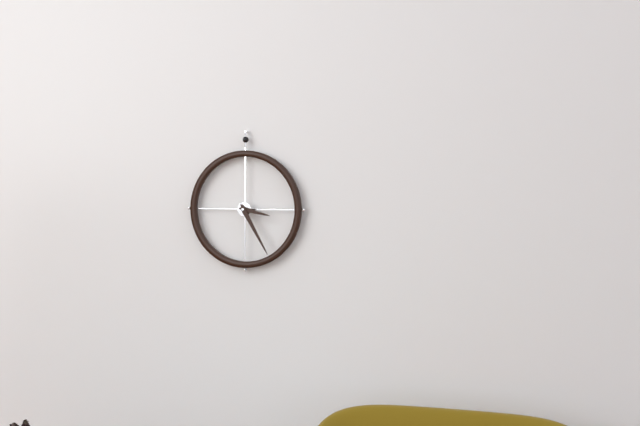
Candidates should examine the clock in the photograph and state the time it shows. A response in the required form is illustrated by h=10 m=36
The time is h=3 m=25
